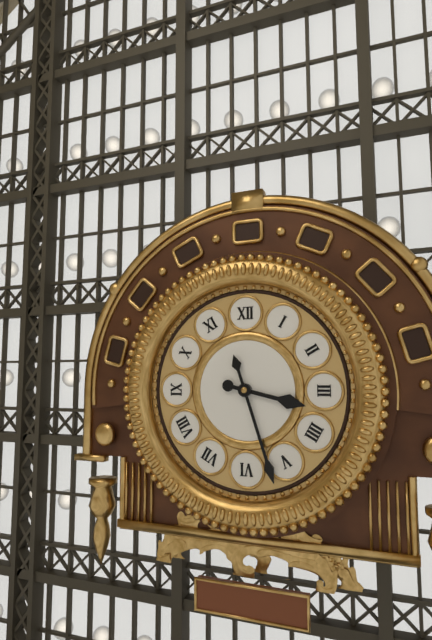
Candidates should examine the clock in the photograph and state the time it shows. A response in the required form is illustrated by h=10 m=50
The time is h=3 m=27
